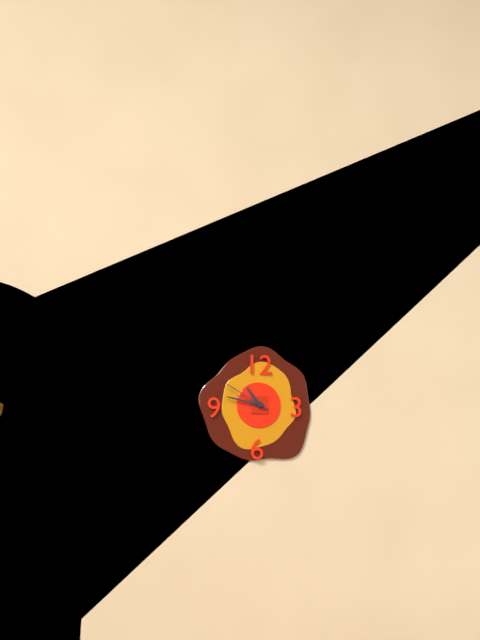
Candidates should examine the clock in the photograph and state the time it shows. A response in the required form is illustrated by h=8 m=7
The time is h=10 m=47
